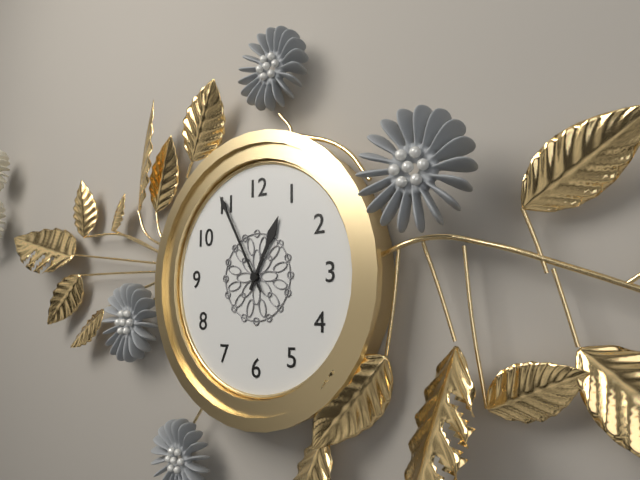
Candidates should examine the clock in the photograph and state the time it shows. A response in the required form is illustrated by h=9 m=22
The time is h=12 m=55
